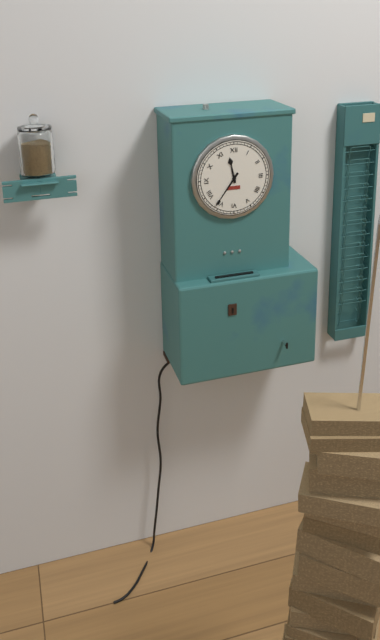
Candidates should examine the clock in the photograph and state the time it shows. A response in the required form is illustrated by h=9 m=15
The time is h=11 m=36
